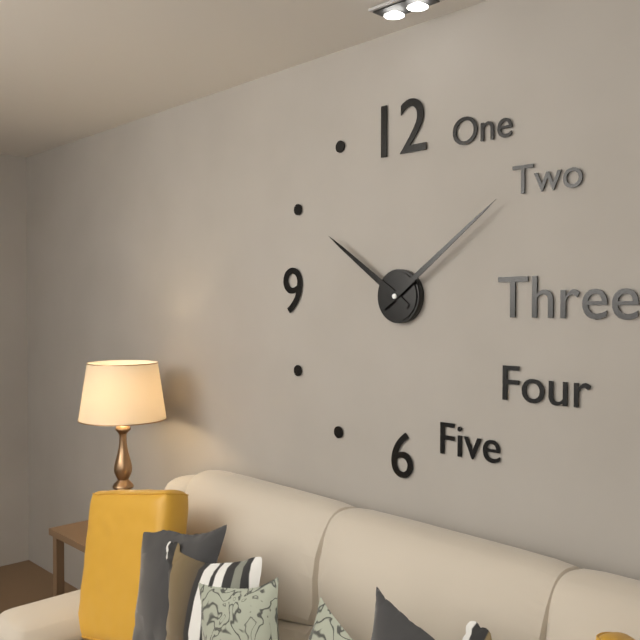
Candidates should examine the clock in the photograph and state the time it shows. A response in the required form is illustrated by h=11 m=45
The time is h=10 m=9
